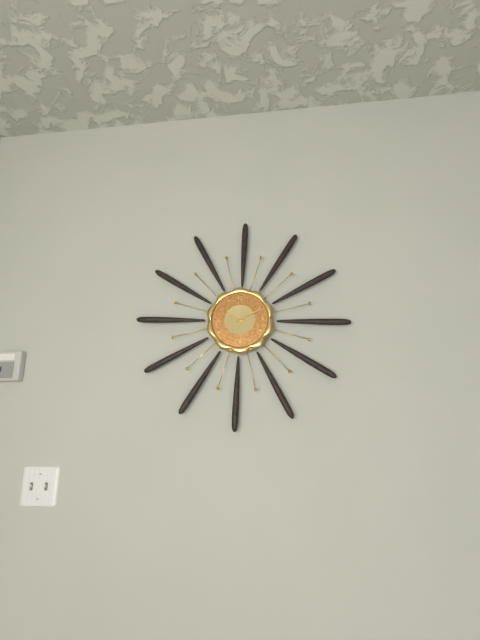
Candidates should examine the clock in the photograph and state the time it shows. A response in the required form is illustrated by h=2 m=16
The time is h=10 m=11
